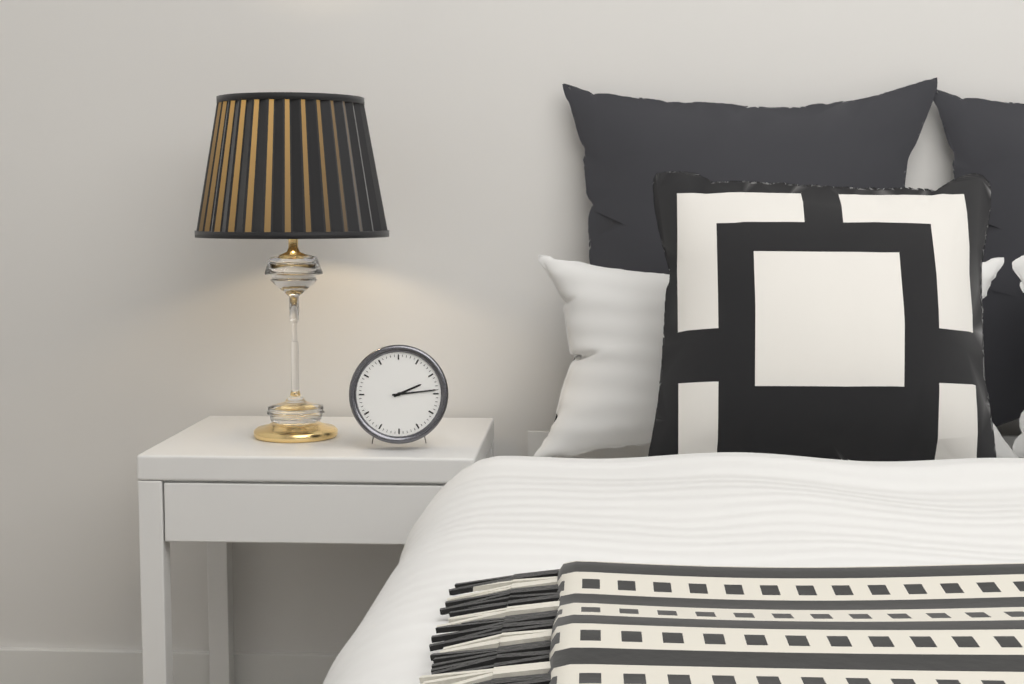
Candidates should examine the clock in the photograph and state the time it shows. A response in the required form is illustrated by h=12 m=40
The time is h=2 m=14
